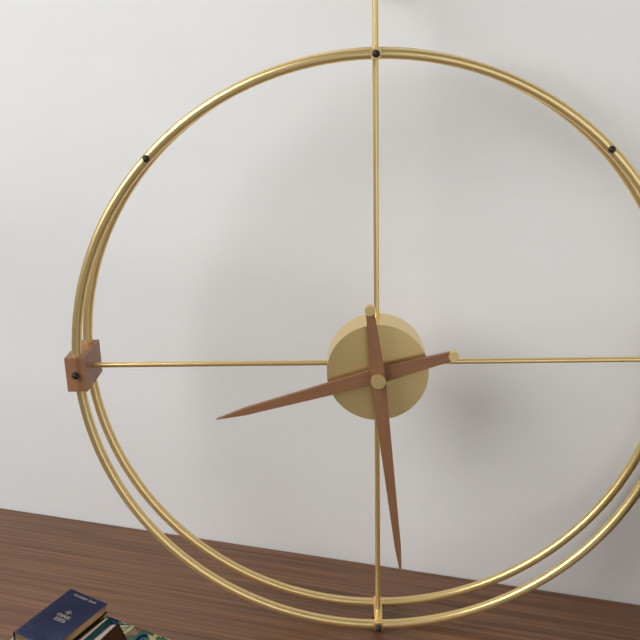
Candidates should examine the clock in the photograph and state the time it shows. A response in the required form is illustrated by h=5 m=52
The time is h=8 m=29
